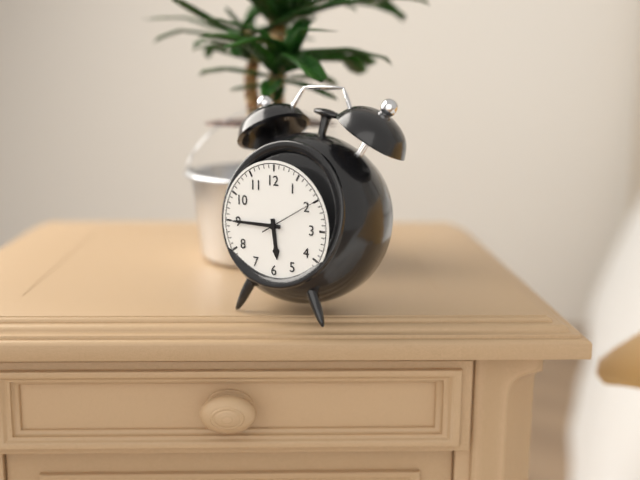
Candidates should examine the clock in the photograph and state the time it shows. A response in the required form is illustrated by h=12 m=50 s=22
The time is h=5 m=45 s=10
